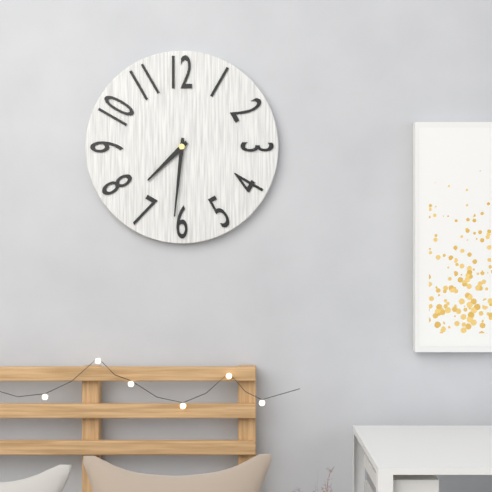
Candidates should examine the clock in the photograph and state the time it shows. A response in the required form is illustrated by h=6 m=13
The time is h=7 m=31
